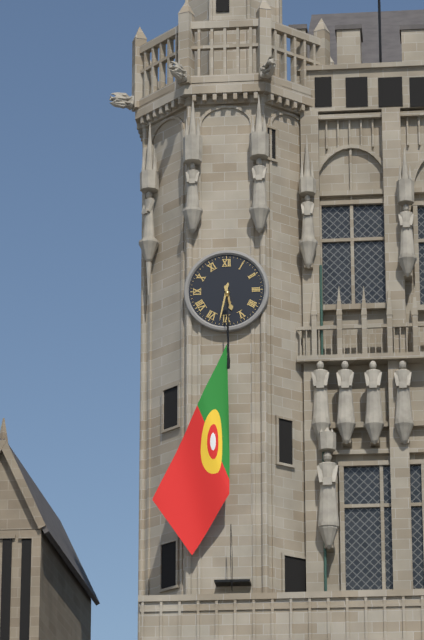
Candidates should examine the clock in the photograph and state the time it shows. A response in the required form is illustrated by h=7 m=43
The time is h=5 m=32
